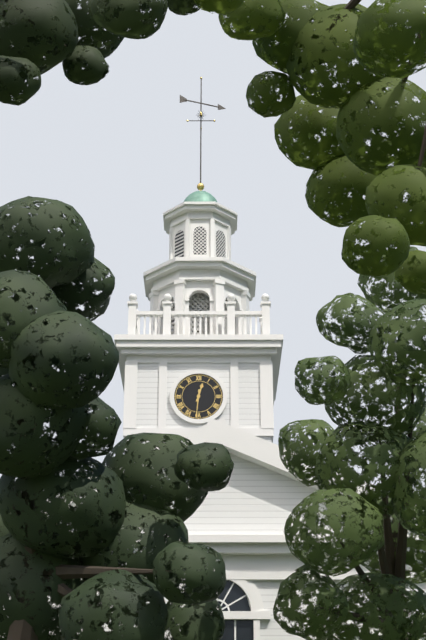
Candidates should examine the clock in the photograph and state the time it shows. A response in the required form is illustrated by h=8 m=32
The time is h=12 m=31
